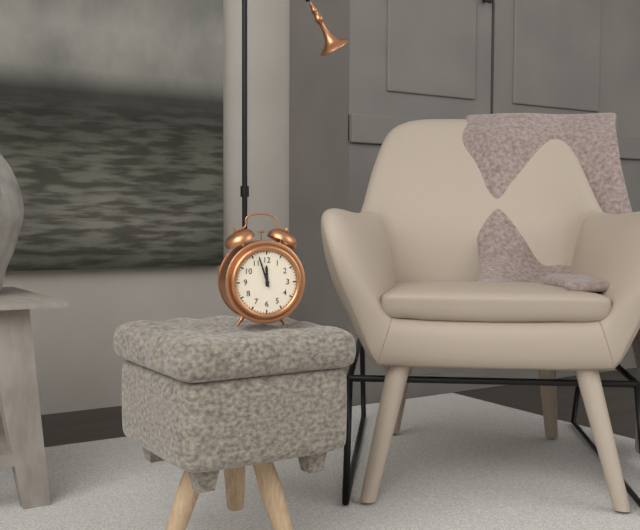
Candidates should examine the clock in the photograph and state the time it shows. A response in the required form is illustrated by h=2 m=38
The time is h=11 m=57
